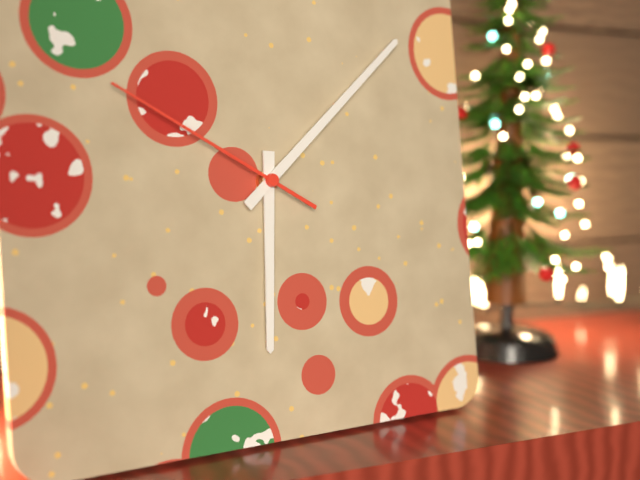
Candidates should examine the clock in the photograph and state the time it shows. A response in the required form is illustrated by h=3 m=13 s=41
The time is h=6 m=8 s=50
